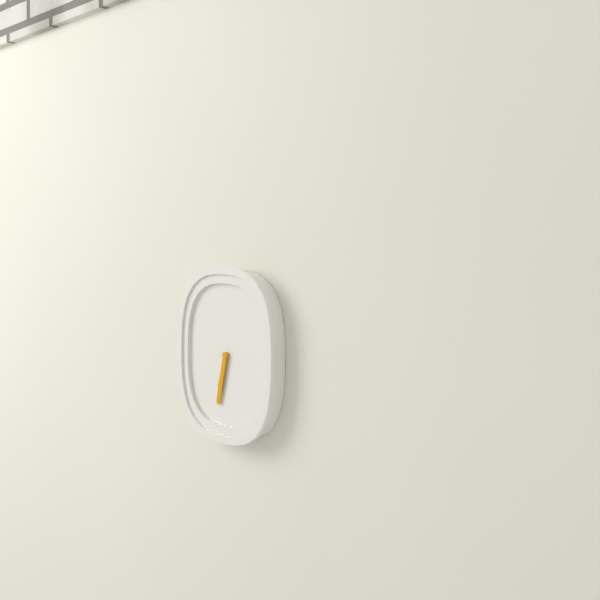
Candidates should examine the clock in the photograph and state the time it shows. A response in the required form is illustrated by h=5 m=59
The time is h=6 m=32
